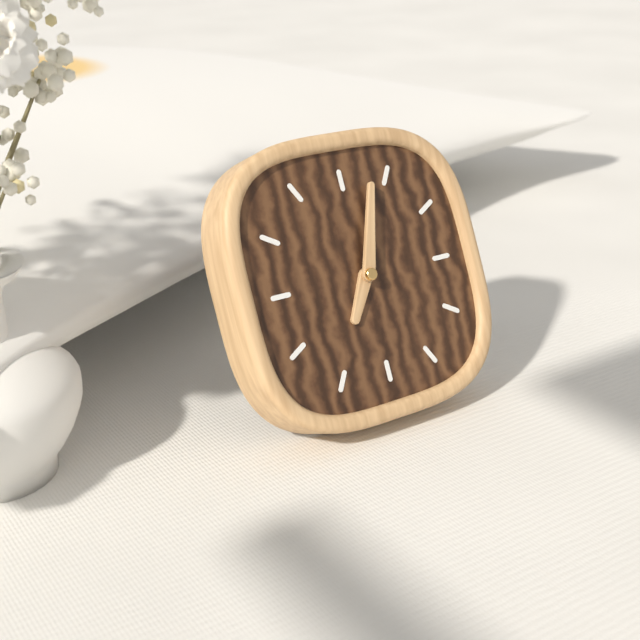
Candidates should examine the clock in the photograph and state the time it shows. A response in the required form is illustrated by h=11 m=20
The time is h=7 m=3
